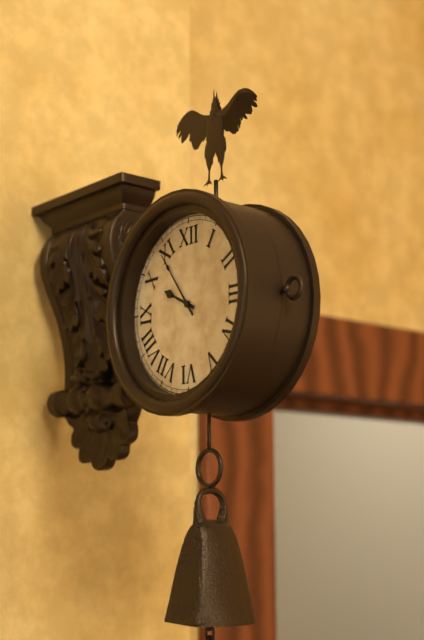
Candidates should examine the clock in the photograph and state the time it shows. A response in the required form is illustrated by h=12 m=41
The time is h=9 m=54
